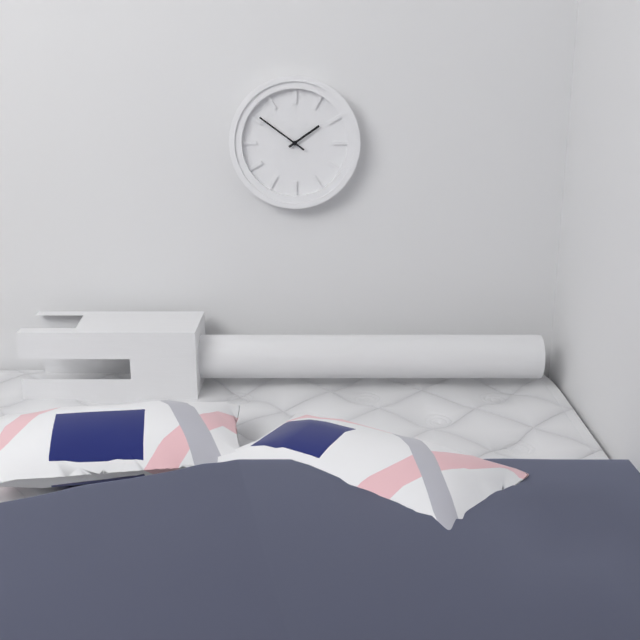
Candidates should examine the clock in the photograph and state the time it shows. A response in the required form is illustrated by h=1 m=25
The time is h=1 m=51
